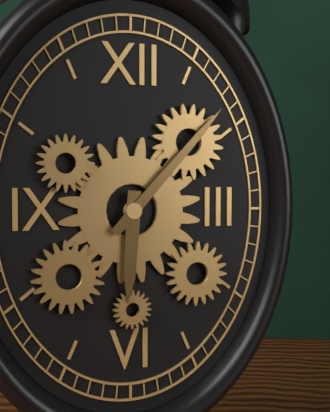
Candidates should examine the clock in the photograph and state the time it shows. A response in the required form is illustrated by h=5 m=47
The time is h=6 m=7
